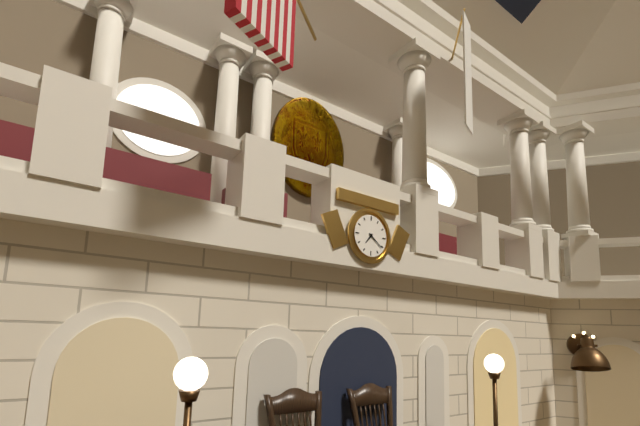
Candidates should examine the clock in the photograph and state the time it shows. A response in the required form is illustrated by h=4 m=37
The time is h=7 m=21
